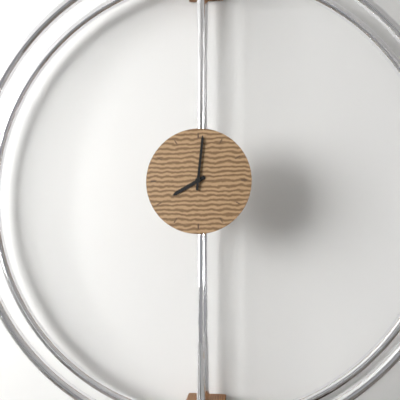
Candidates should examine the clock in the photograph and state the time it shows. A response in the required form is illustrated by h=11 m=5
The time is h=8 m=1
